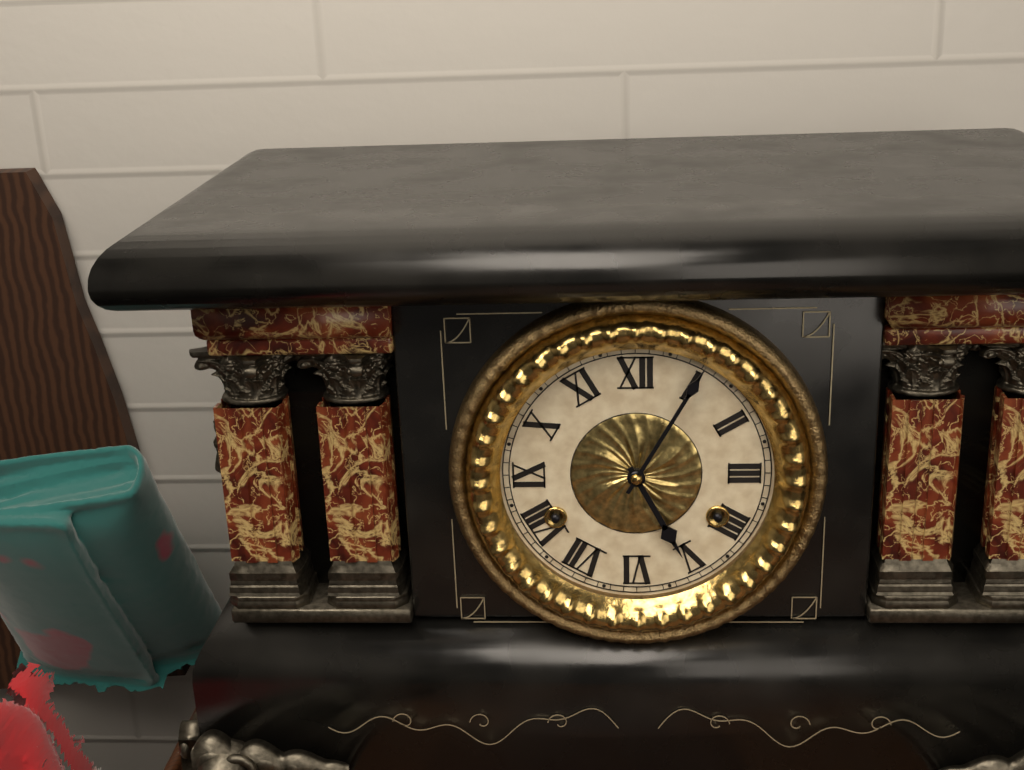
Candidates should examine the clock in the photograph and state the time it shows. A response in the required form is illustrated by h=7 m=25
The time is h=5 m=5
